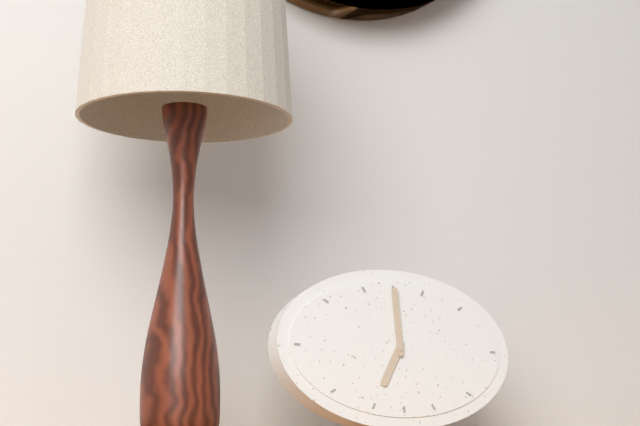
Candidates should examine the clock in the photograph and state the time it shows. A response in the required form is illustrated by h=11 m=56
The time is h=7 m=0
